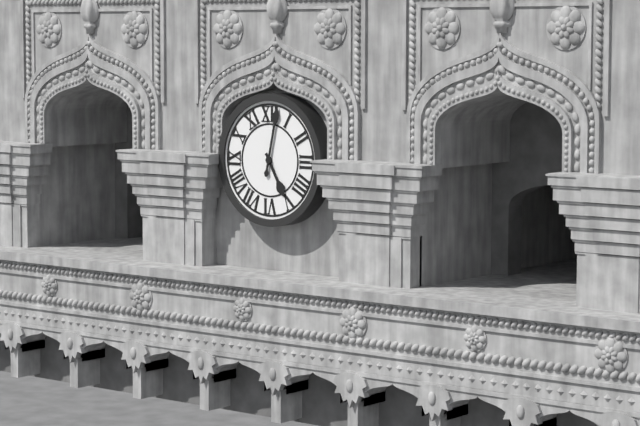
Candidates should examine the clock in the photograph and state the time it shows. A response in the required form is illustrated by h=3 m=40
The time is h=5 m=2
